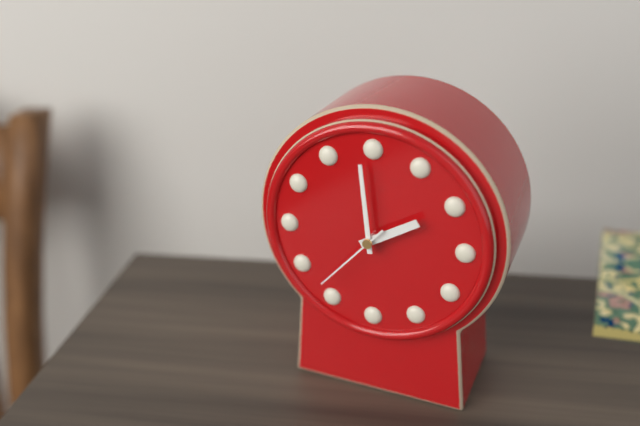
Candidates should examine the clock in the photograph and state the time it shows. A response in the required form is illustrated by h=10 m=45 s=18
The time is h=1 m=59 s=37
